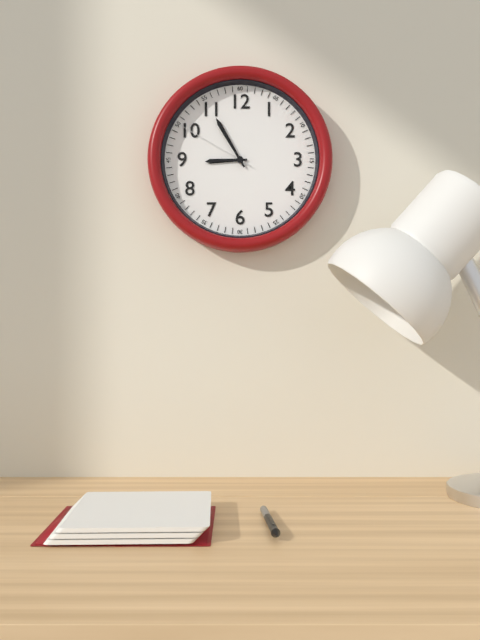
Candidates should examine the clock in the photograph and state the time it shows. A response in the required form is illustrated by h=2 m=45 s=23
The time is h=8 m=55 s=50
